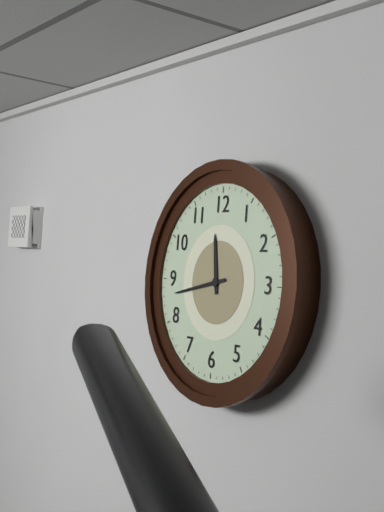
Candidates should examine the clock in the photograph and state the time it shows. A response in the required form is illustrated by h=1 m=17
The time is h=11 m=43
